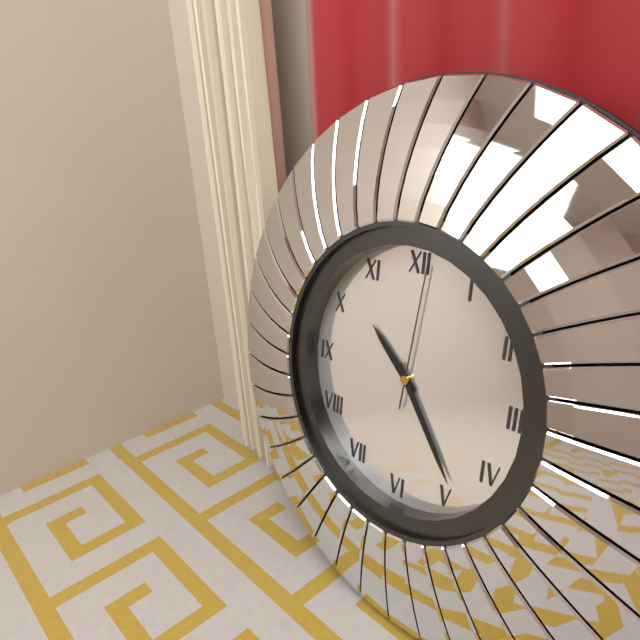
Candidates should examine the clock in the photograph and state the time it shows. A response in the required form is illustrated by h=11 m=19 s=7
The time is h=10 m=24 s=1
